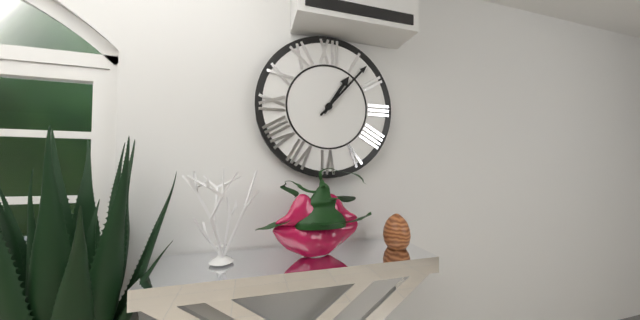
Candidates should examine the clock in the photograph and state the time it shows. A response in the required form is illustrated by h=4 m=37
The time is h=1 m=7
